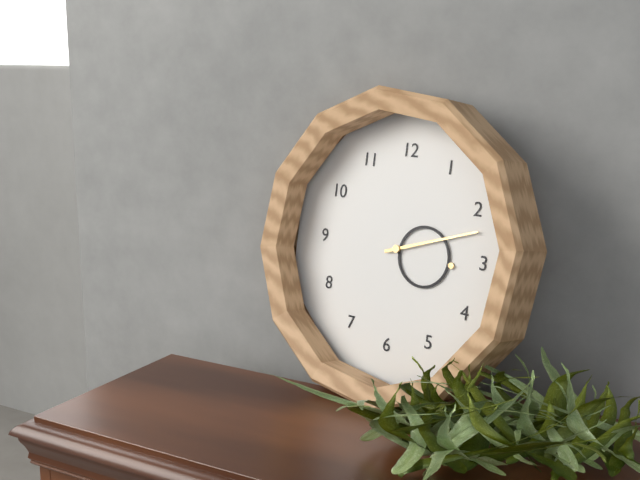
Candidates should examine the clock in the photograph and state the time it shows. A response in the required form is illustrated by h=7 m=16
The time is h=3 m=12
